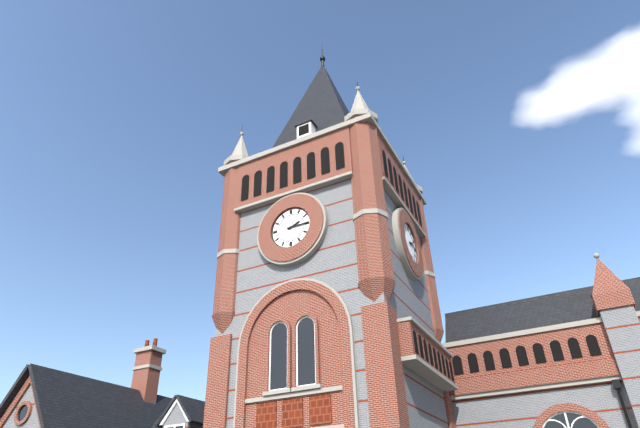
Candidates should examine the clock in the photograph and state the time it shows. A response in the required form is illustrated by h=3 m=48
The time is h=2 m=15
